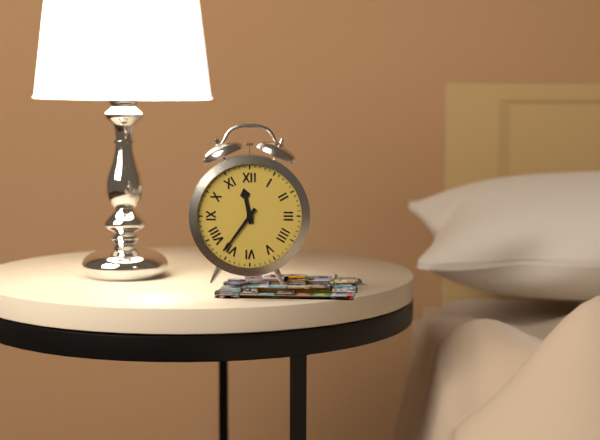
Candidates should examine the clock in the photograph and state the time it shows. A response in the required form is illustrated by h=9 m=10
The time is h=11 m=36
